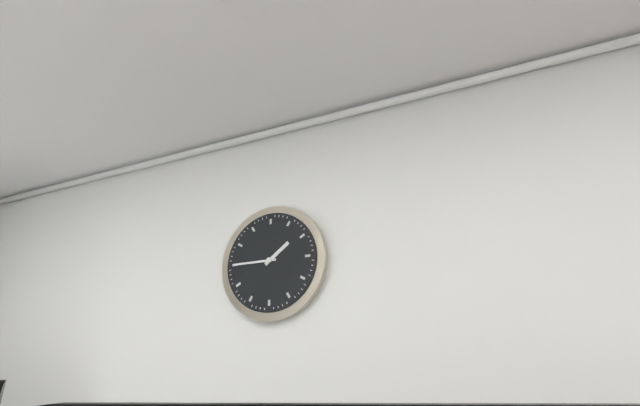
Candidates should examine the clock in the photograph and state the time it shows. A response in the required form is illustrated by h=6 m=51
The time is h=1 m=45
